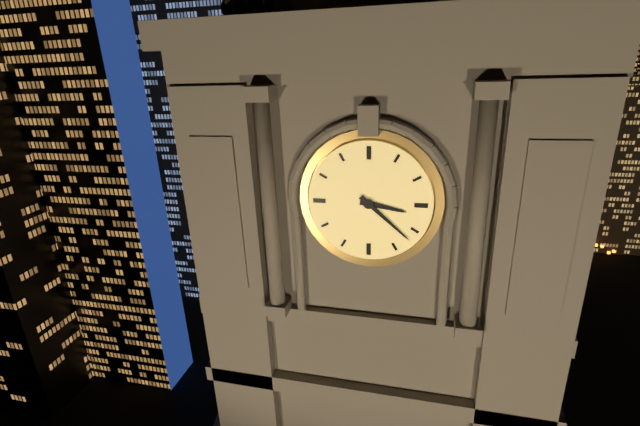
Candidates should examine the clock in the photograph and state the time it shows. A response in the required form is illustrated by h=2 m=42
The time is h=3 m=22
